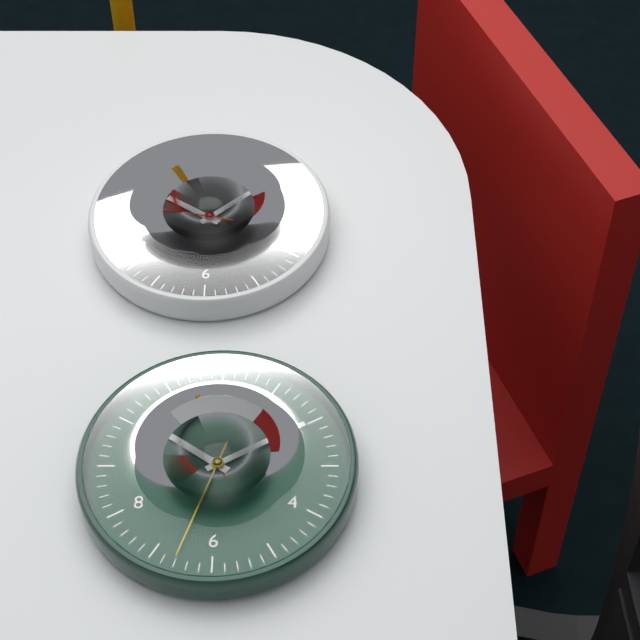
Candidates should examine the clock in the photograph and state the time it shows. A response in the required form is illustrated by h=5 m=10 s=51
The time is h=10 m=8 s=47
